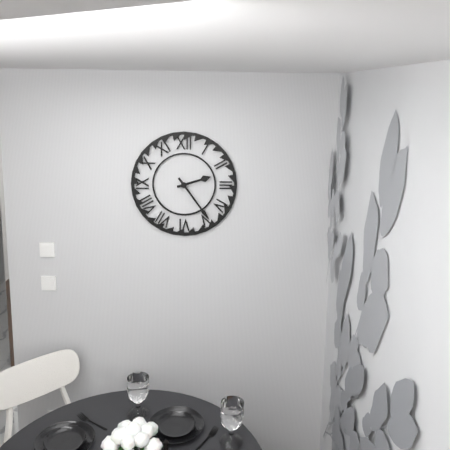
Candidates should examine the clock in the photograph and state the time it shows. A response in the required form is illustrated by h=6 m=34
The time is h=2 m=24
